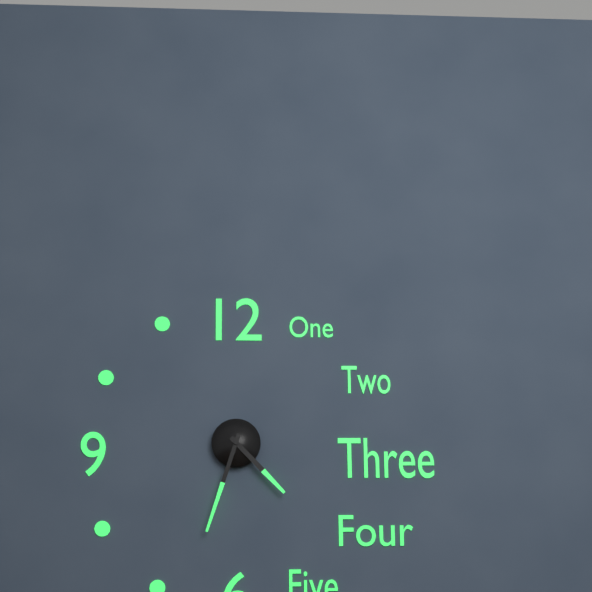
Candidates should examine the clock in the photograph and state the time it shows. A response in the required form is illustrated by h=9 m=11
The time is h=4 m=33
